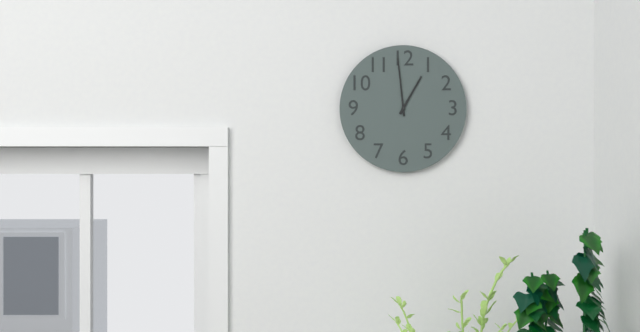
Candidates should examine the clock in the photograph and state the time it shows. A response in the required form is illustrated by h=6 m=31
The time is h=12 m=59
